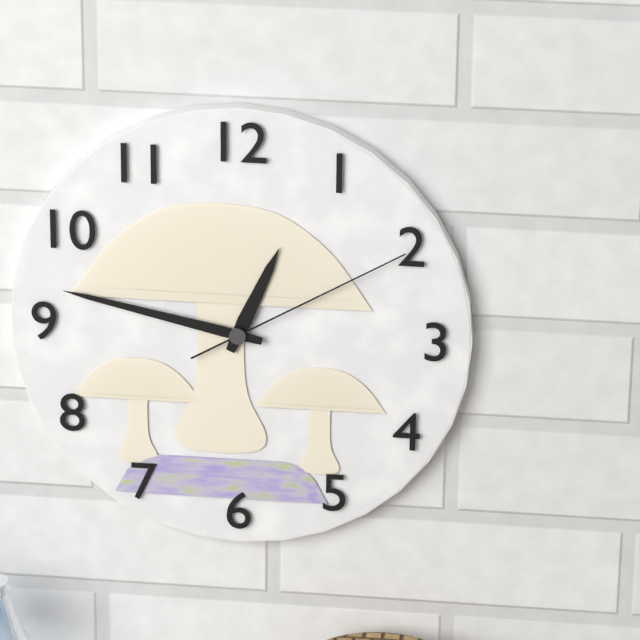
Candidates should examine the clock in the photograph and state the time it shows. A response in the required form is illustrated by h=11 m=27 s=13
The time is h=12 m=47 s=10
